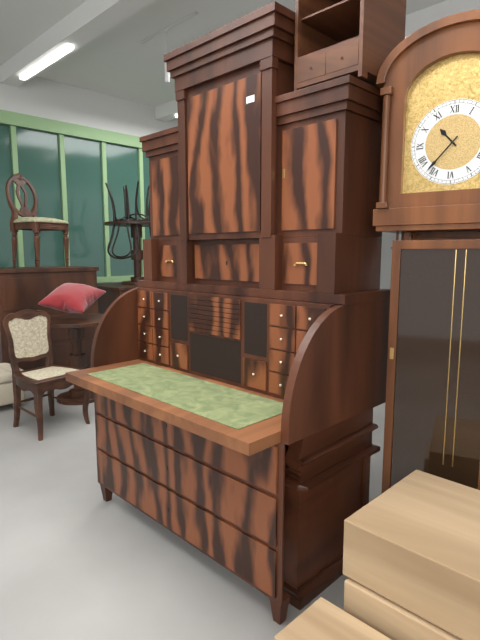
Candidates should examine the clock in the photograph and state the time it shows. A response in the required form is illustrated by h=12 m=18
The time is h=10 m=37
